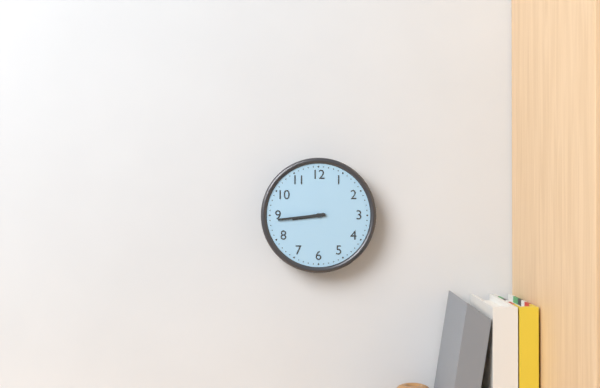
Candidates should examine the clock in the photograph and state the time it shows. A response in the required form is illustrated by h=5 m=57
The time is h=8 m=44
